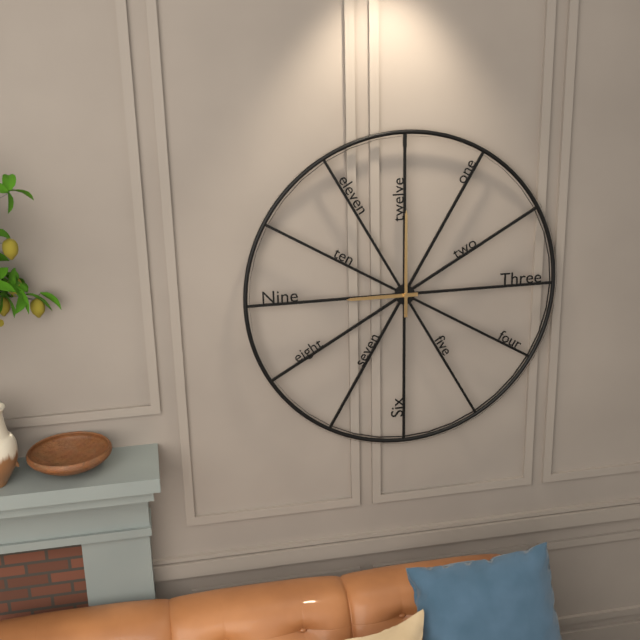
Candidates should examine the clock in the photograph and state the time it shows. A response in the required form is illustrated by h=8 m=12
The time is h=9 m=0
